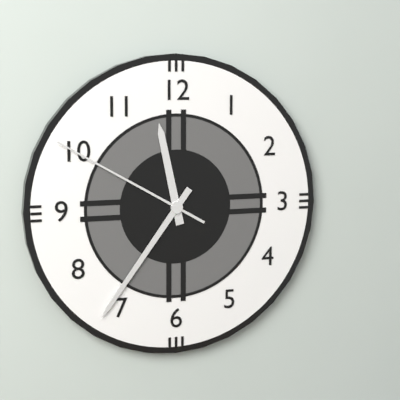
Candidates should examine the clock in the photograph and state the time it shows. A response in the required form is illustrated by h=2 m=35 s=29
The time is h=11 m=36 s=50
